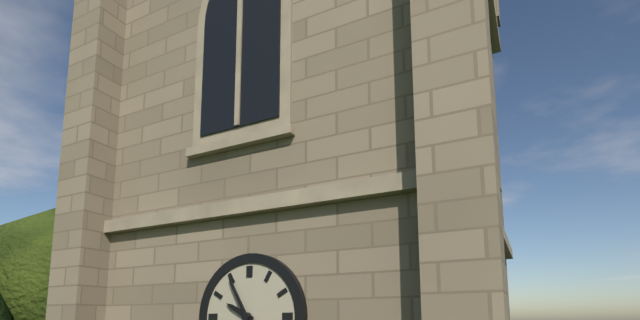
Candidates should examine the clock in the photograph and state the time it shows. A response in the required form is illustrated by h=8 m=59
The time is h=9 m=55
